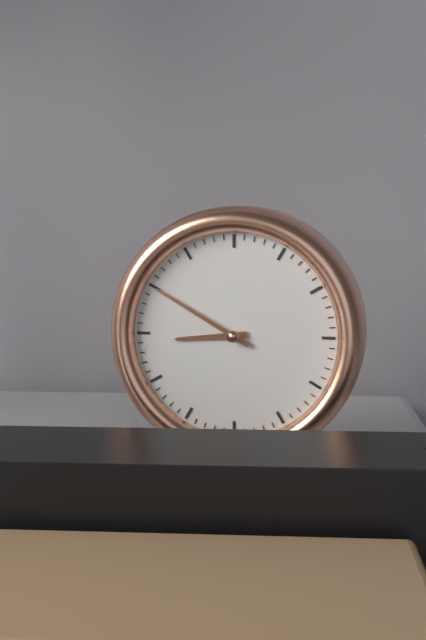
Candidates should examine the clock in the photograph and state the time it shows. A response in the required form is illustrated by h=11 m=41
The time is h=8 m=50
